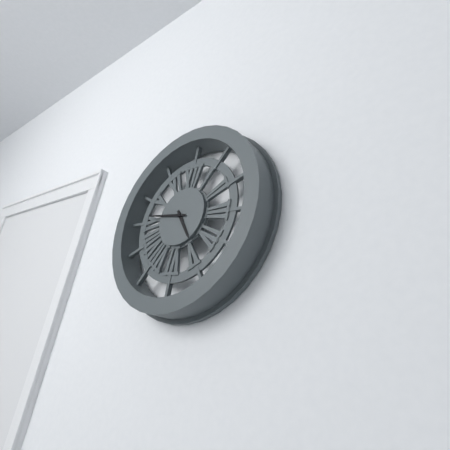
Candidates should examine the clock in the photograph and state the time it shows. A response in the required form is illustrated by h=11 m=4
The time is h=4 m=46
